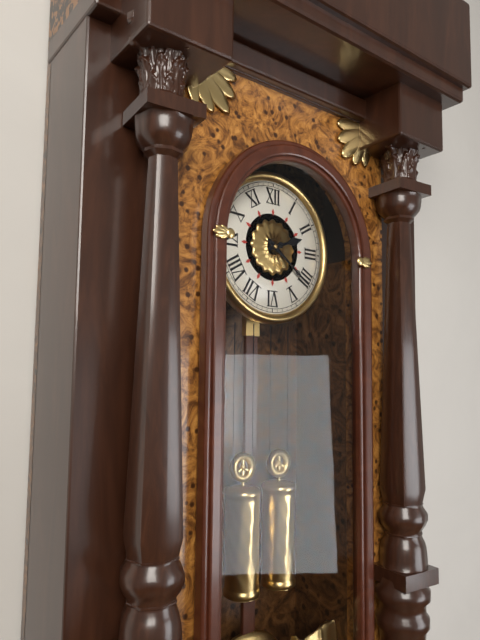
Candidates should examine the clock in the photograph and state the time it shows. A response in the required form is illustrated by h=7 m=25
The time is h=2 m=21
